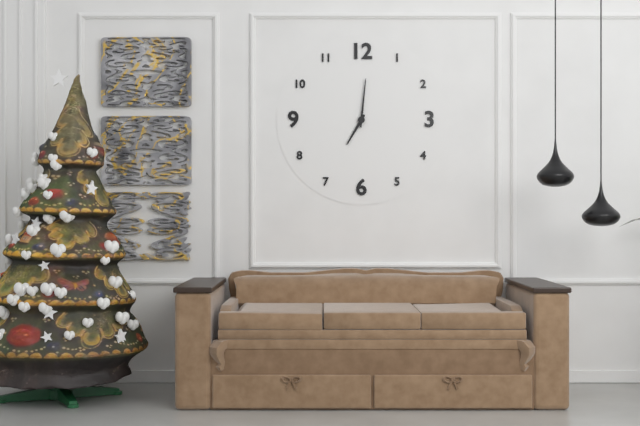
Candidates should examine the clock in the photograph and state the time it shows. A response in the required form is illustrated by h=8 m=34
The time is h=7 m=1
